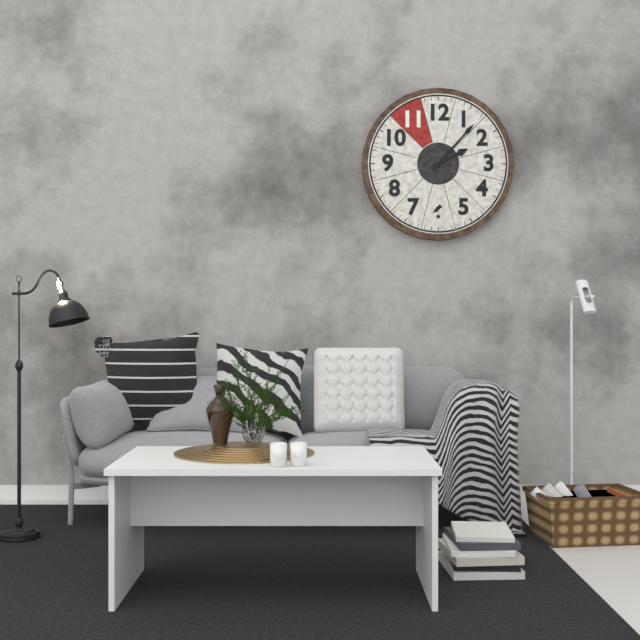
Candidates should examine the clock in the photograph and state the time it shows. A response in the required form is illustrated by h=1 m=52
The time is h=2 m=7
